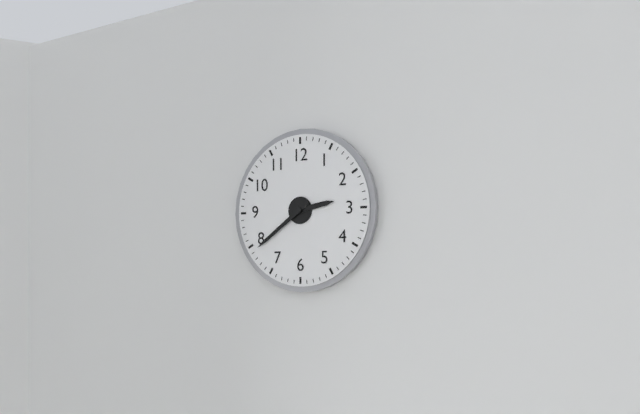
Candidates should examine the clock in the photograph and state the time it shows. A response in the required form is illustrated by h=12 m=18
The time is h=2 m=39
